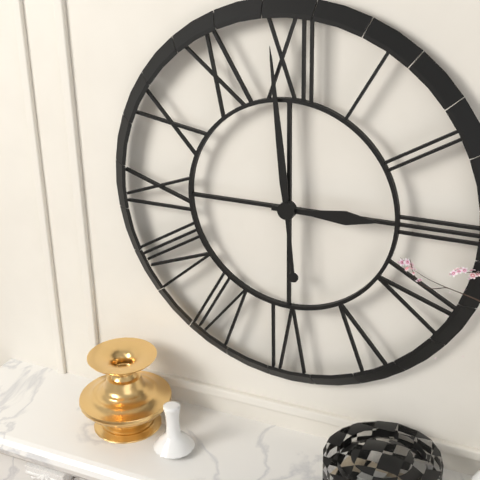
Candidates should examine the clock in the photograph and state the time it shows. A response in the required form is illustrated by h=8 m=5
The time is h=2 m=59
